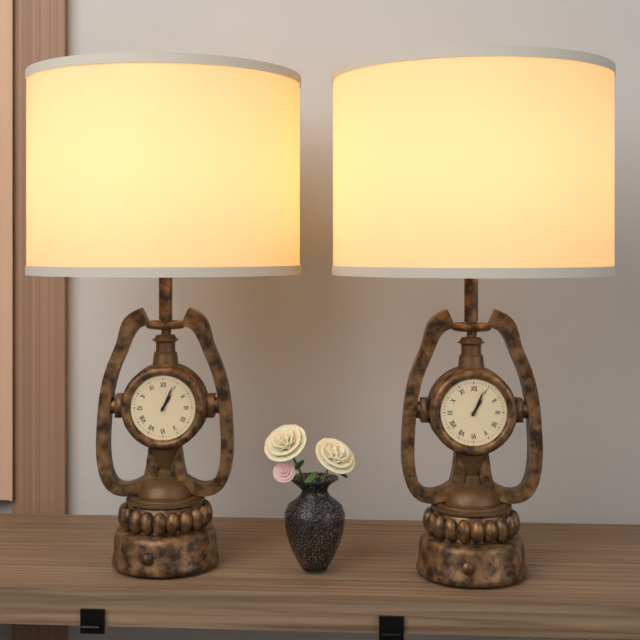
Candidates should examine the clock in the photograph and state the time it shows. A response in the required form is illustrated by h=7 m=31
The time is h=1 m=4
